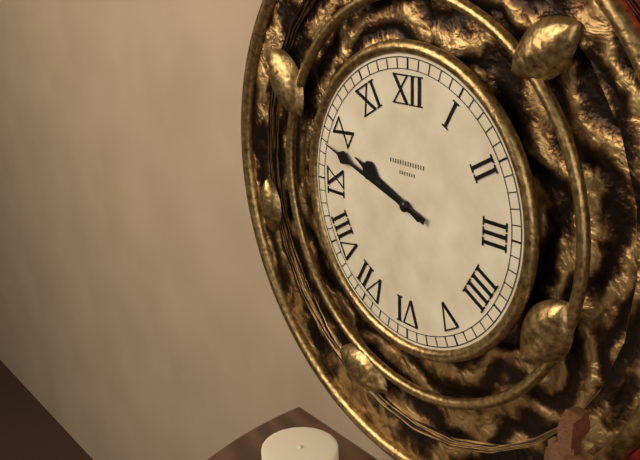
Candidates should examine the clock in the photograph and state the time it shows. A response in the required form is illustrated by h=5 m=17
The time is h=9 m=48
